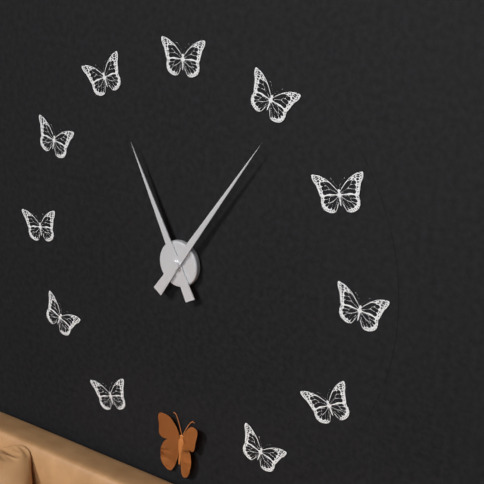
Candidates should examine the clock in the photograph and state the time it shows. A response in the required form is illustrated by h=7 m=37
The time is h=11 m=6
